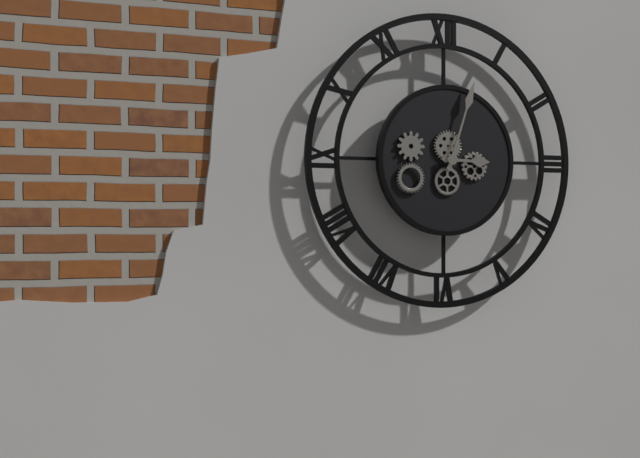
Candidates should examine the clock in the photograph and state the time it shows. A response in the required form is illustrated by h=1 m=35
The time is h=3 m=3
